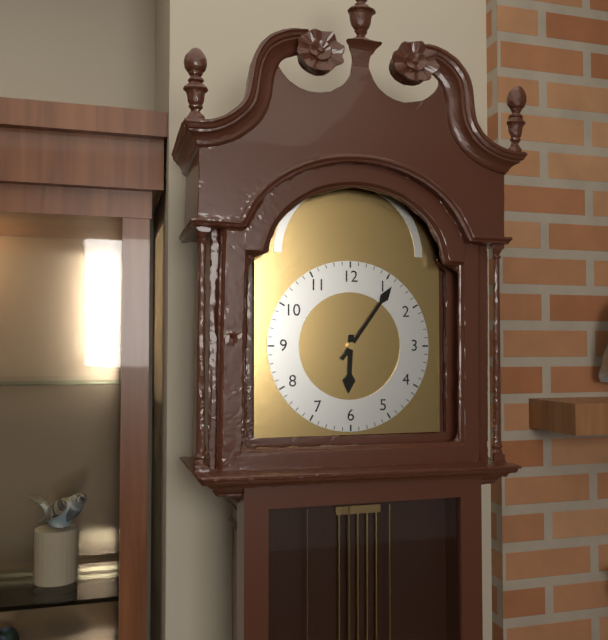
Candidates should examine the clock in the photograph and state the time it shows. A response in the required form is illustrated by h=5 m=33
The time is h=6 m=6
